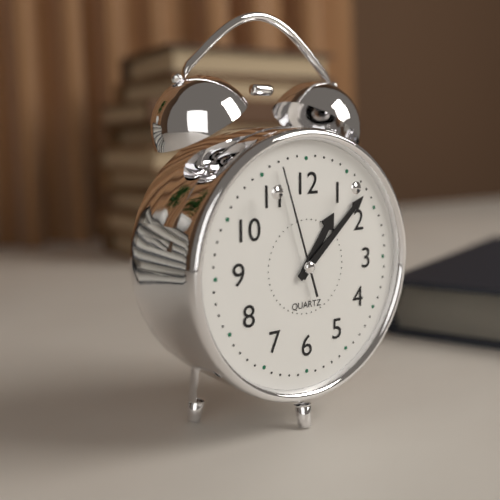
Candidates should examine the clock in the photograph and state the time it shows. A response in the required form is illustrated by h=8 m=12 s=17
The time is h=1 m=8 s=57
